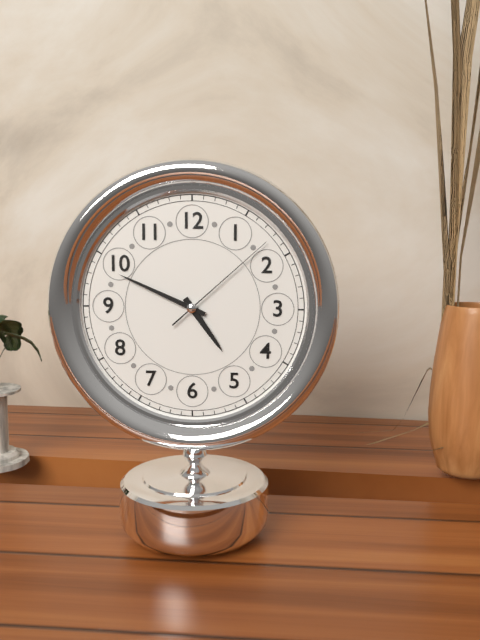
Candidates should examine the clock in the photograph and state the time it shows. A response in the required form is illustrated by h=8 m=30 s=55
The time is h=4 m=49 s=8
